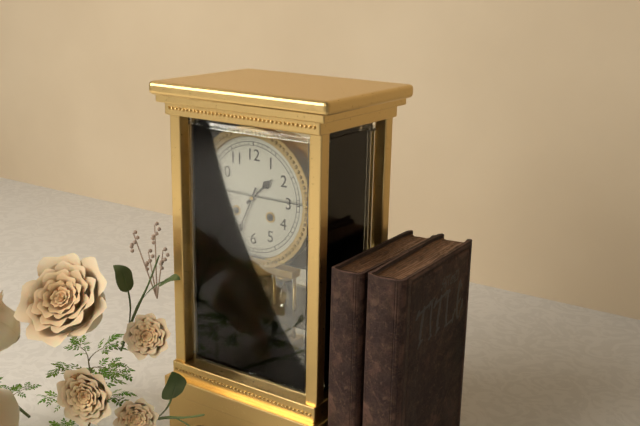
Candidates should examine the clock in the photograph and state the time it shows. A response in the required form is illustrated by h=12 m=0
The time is h=1 m=34
